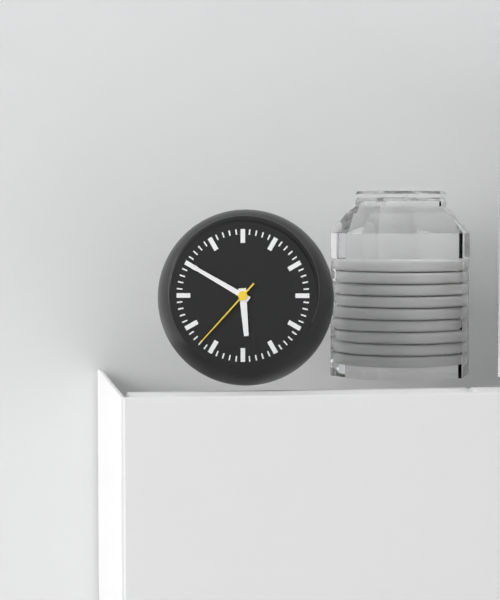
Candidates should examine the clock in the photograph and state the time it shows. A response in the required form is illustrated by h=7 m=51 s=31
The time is h=5 m=50 s=37
